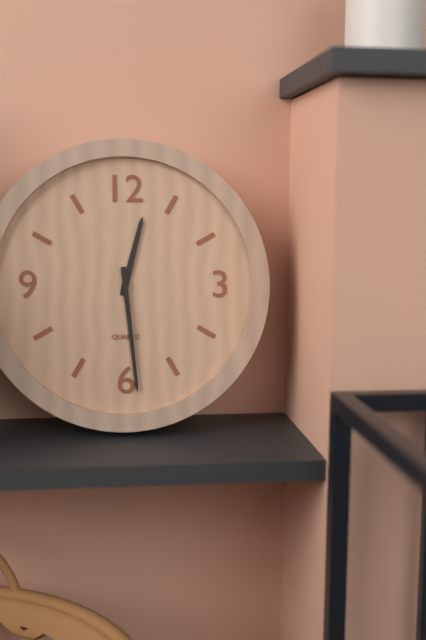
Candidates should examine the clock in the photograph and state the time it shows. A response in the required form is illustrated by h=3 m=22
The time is h=12 m=29
